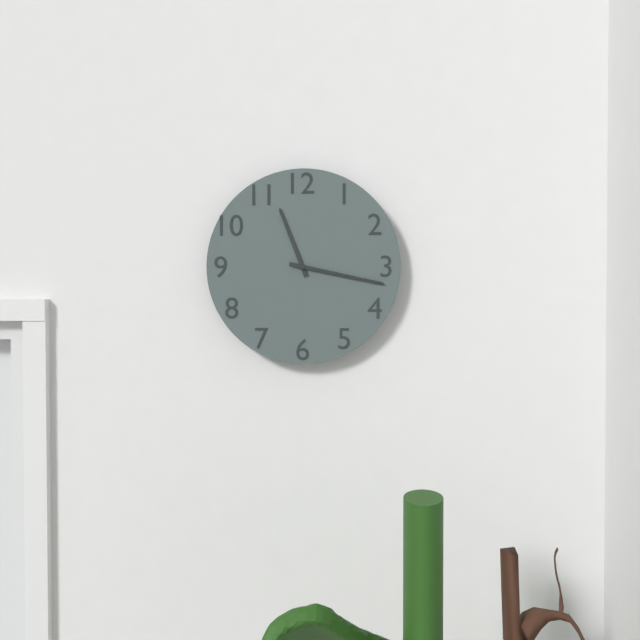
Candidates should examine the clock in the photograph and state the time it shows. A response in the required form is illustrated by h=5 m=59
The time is h=11 m=17
